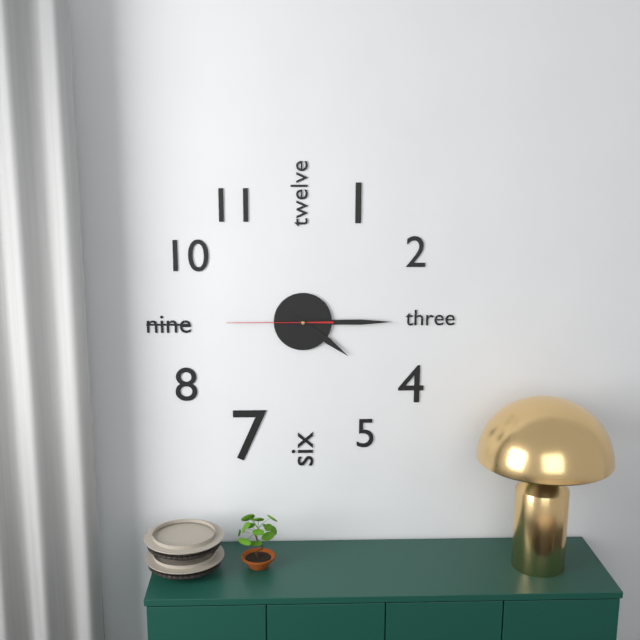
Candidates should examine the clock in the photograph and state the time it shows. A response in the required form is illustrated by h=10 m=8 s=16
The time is h=4 m=15 s=45
